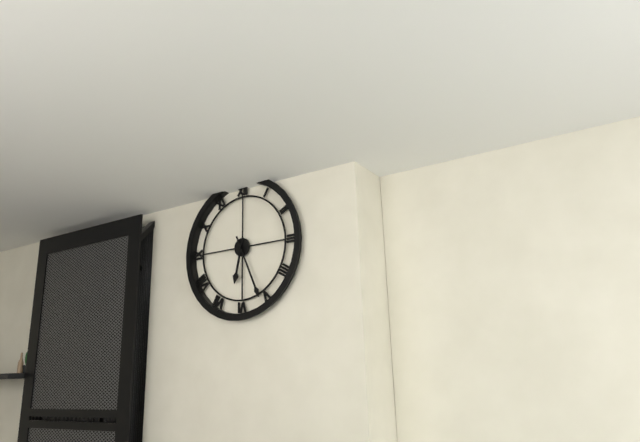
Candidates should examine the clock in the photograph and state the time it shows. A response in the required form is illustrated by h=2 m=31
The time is h=6 m=26
